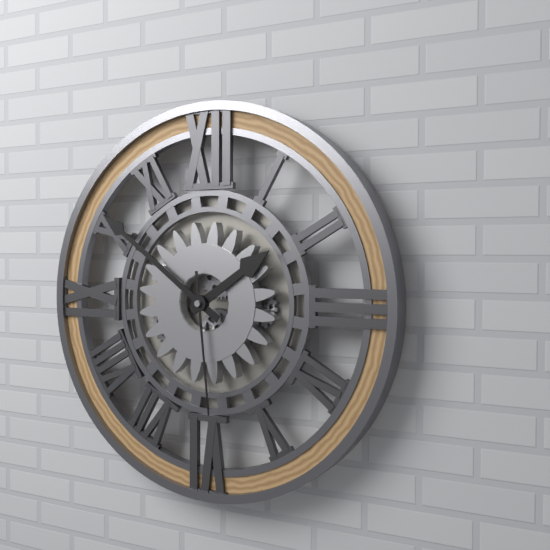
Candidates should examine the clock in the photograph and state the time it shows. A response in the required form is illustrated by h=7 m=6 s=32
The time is h=1 m=51 s=29
